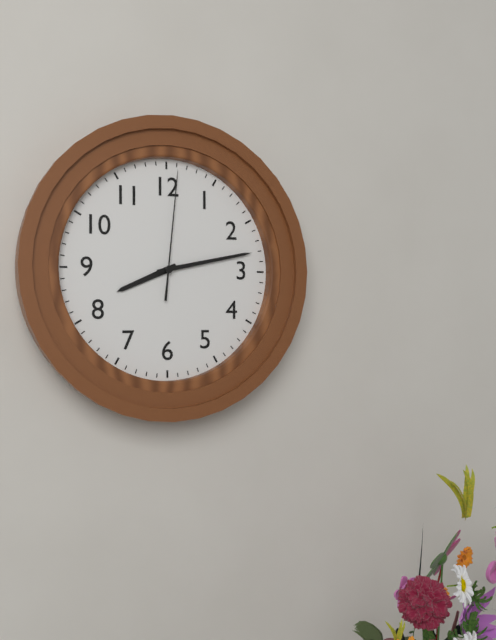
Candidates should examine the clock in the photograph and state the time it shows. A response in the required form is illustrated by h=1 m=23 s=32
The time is h=8 m=13 s=1
